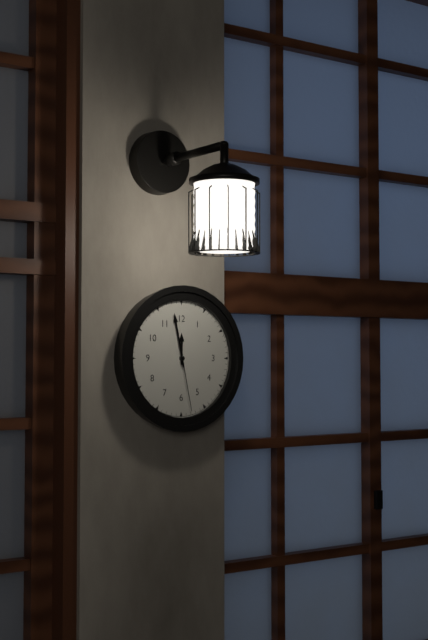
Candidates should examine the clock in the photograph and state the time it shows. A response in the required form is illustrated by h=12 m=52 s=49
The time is h=11 m=58 s=28
